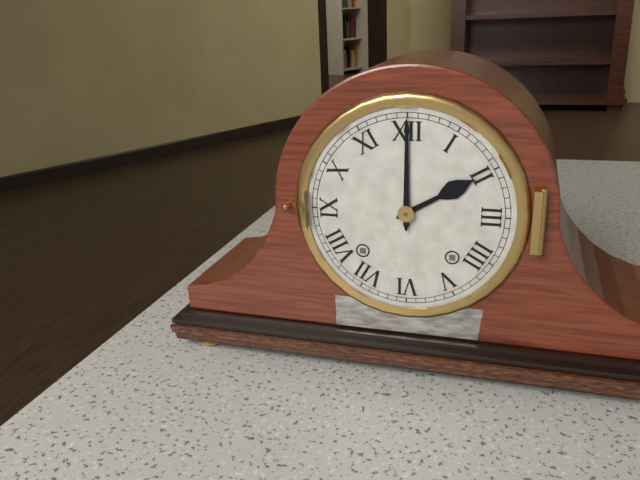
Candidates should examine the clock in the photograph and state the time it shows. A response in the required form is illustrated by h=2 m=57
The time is h=2 m=0
